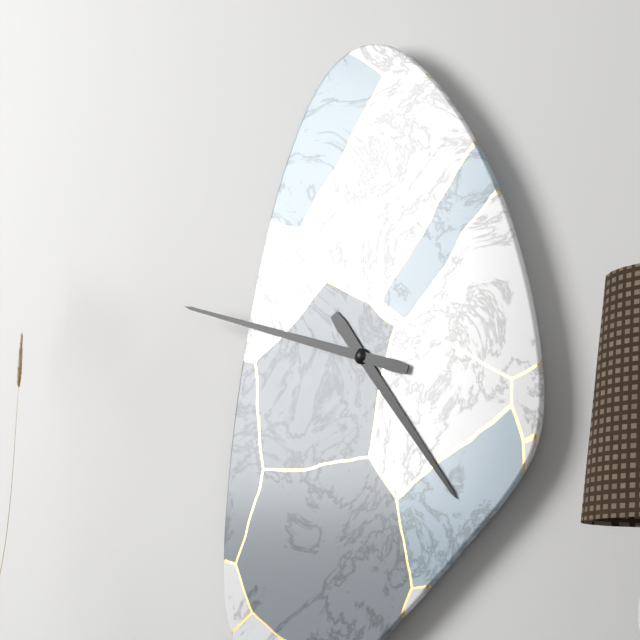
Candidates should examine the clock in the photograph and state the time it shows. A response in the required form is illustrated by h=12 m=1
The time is h=4 m=48
